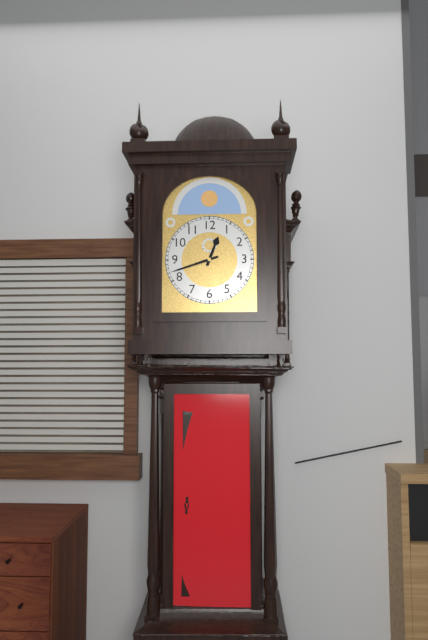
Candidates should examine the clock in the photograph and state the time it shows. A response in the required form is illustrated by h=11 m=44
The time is h=12 m=42
